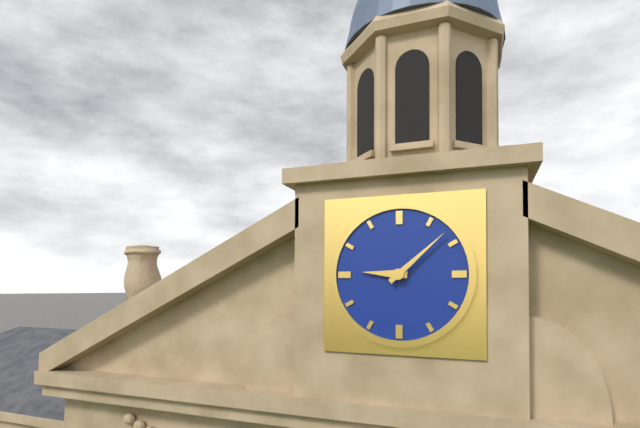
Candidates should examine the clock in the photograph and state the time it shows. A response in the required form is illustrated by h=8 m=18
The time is h=9 m=8
